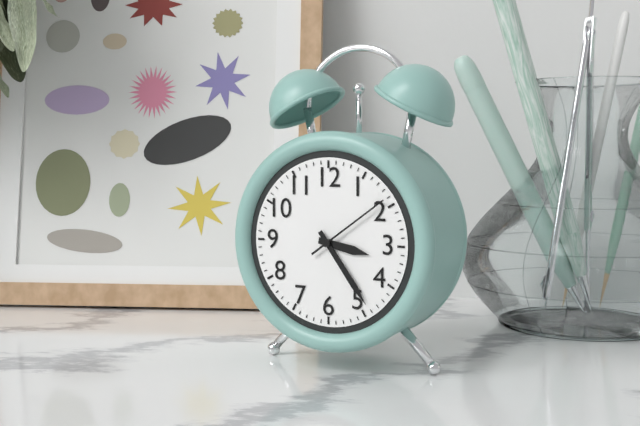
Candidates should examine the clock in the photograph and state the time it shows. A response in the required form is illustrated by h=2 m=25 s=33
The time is h=3 m=24 s=9
